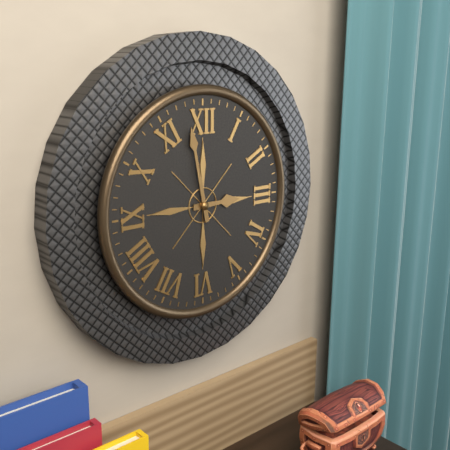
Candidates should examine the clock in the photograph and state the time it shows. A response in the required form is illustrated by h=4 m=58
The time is h=2 m=58
